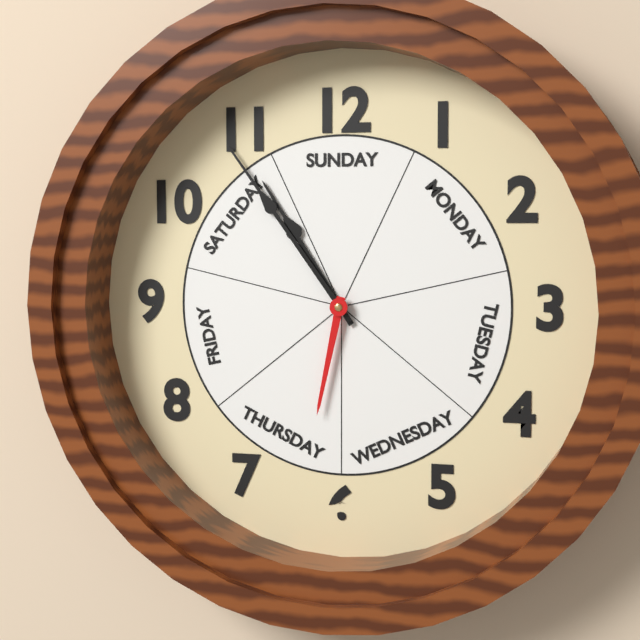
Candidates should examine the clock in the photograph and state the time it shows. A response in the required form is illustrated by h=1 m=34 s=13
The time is h=10 m=54 s=32
